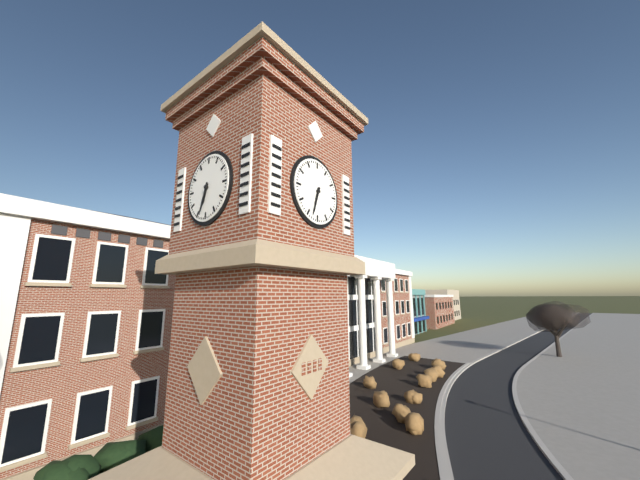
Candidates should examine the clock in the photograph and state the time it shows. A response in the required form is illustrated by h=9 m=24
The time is h=6 m=33
